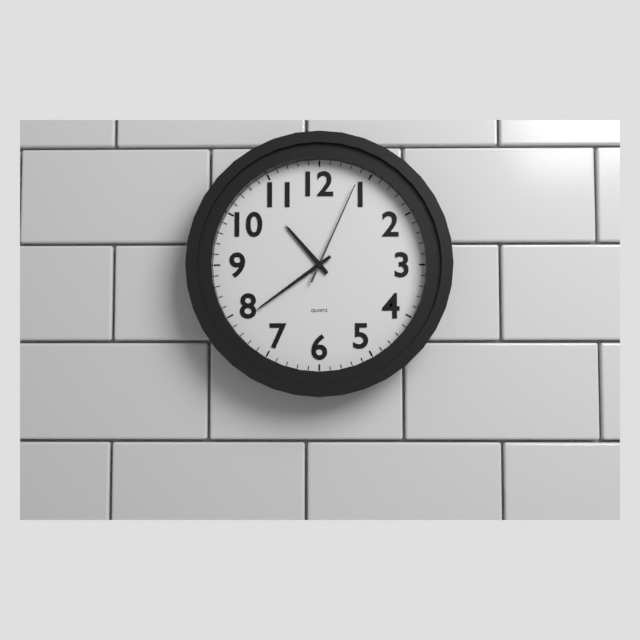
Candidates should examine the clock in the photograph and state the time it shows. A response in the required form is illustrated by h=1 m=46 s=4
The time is h=10 m=39 s=4
